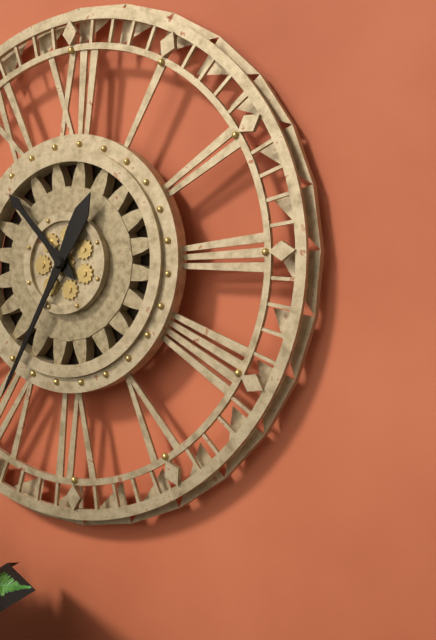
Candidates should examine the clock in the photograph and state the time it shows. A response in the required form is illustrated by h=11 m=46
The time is h=10 m=35
